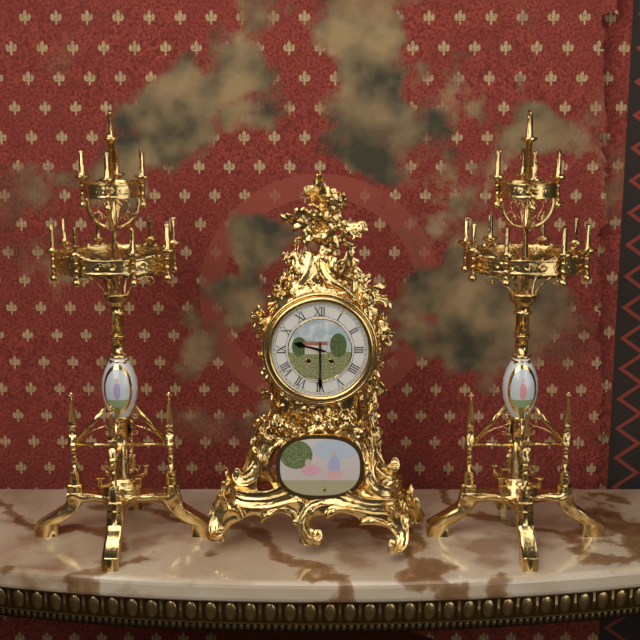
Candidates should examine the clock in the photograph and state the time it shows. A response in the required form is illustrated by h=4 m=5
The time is h=9 m=30
